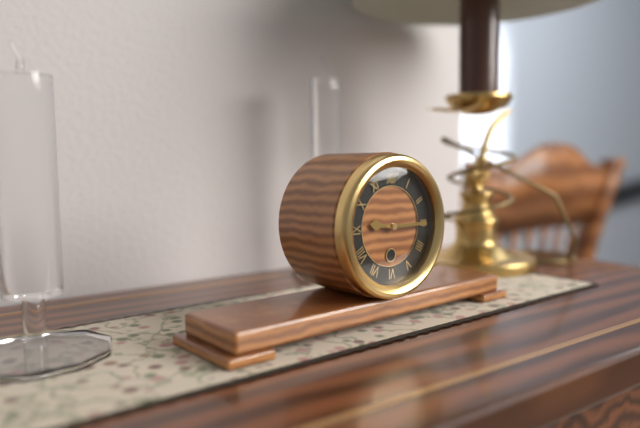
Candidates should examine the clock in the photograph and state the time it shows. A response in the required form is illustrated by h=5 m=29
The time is h=9 m=15
